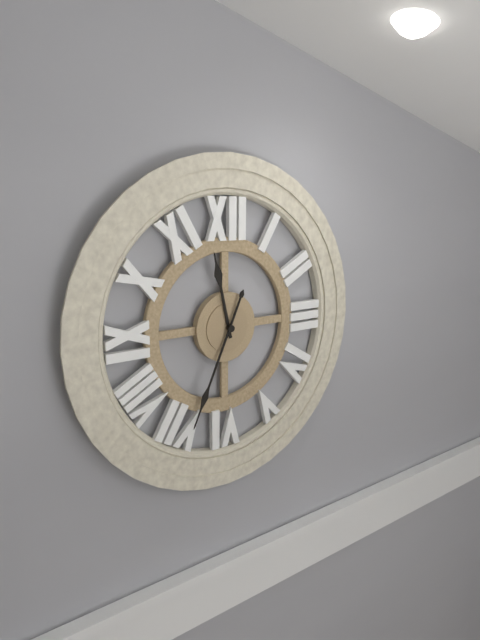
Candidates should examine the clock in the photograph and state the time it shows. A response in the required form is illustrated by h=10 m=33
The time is h=11 m=34
